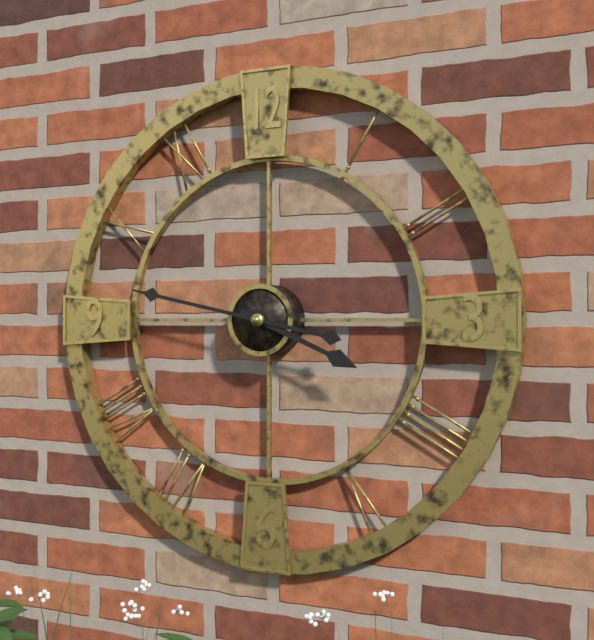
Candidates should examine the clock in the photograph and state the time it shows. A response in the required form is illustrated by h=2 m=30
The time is h=3 m=47
